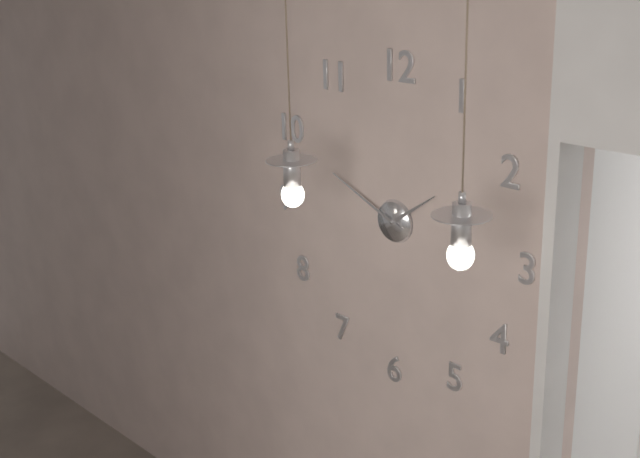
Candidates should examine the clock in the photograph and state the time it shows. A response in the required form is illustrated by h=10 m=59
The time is h=1 m=49
